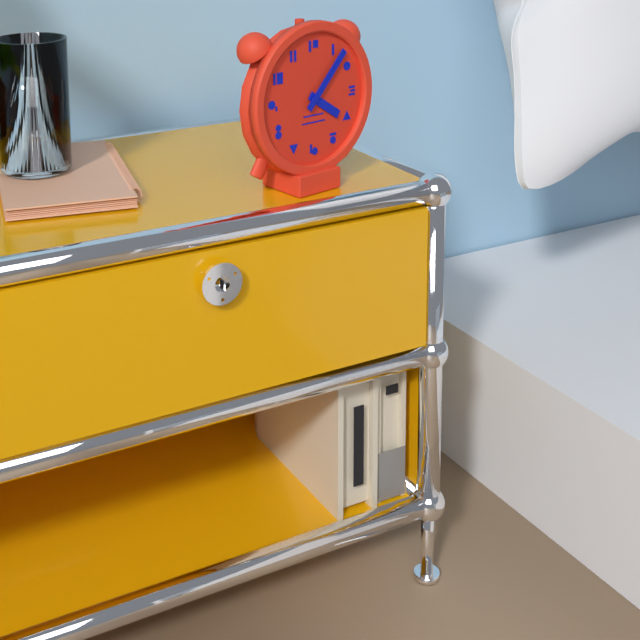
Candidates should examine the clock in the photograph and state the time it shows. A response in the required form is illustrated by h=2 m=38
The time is h=4 m=7
